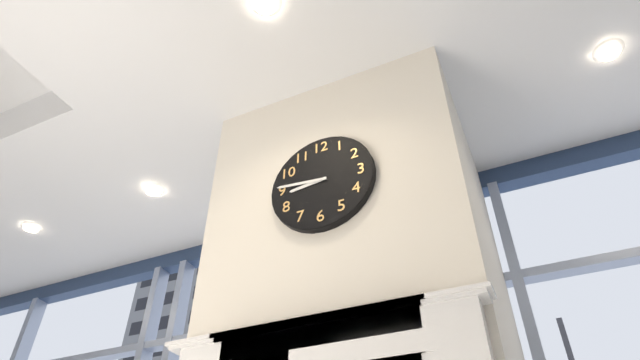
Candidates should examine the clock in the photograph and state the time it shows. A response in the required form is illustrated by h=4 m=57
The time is h=8 m=46
